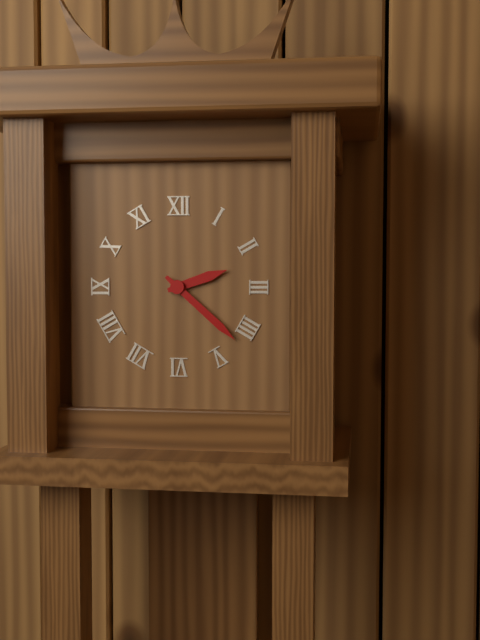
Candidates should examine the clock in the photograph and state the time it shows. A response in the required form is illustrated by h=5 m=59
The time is h=2 m=22
